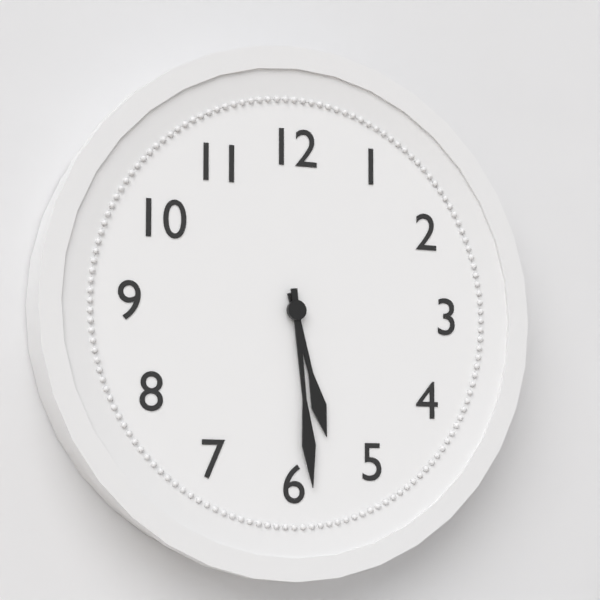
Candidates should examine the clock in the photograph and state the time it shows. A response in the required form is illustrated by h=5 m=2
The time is h=5 m=29
